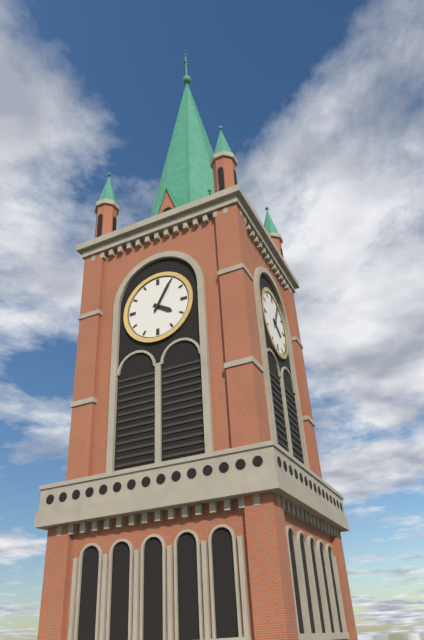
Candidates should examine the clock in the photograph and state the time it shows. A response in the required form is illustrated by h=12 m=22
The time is h=4 m=5
